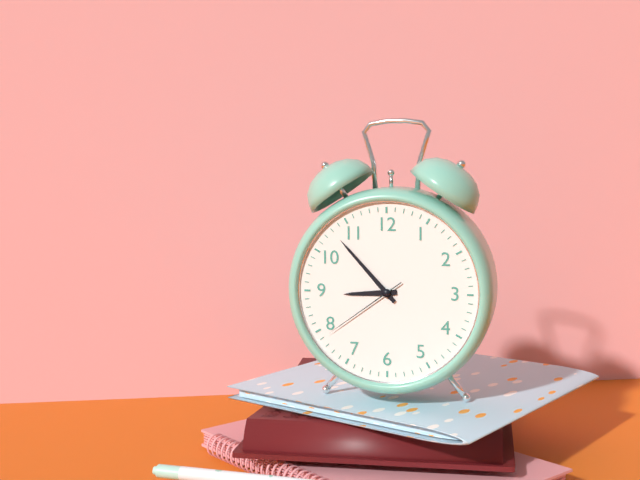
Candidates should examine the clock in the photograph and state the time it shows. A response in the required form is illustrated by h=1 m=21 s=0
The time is h=8 m=53 s=39
